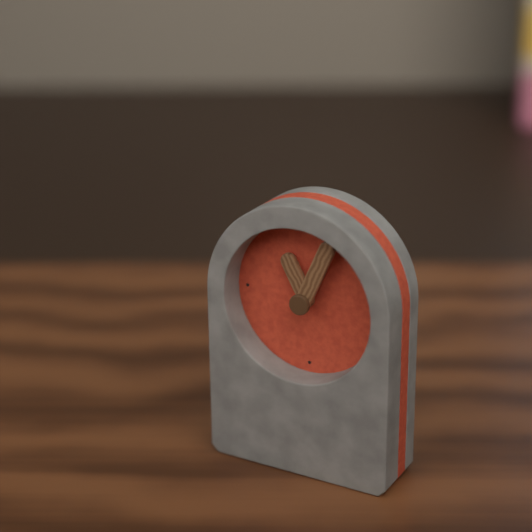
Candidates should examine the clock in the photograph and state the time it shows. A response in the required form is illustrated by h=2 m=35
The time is h=11 m=4
